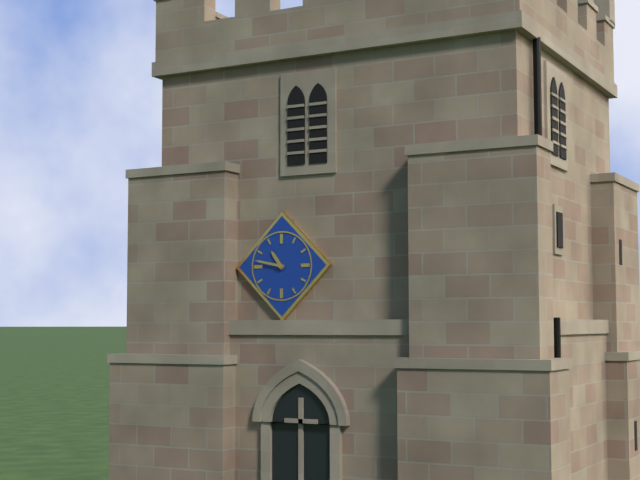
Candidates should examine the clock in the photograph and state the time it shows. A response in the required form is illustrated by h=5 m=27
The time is h=10 m=47
